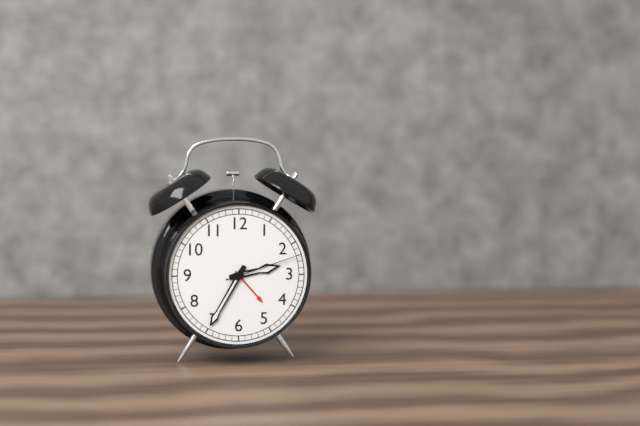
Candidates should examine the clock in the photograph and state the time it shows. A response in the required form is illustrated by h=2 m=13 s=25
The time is h=2 m=35 s=12
